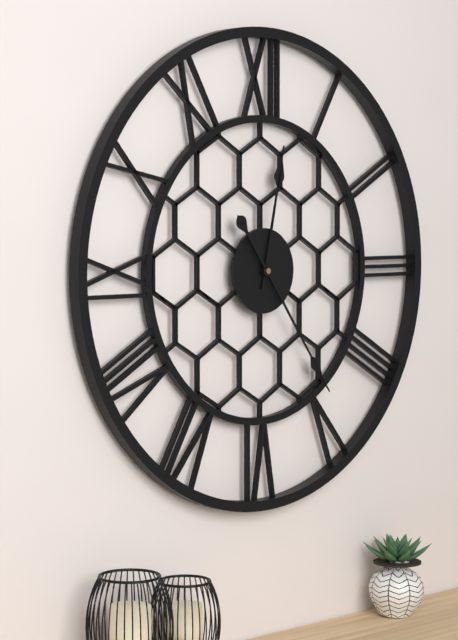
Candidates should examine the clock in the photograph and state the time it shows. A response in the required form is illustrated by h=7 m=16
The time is h=12 m=24
